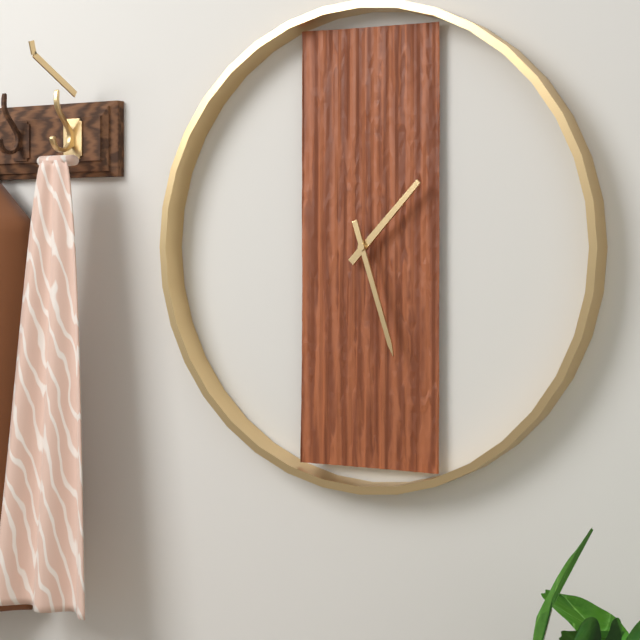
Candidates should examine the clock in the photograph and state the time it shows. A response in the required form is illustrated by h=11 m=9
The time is h=1 m=27
